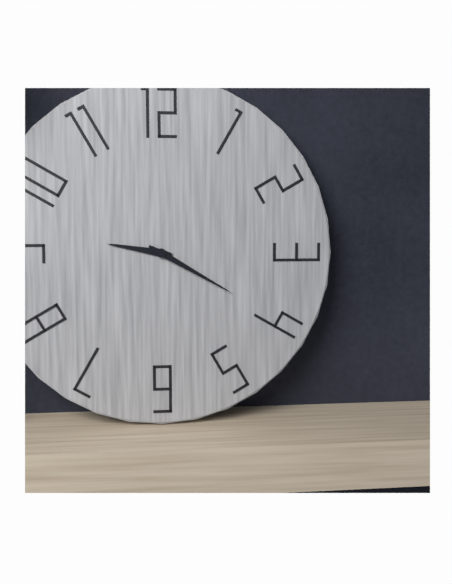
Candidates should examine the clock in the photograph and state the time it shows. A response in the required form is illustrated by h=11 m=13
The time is h=9 m=20
